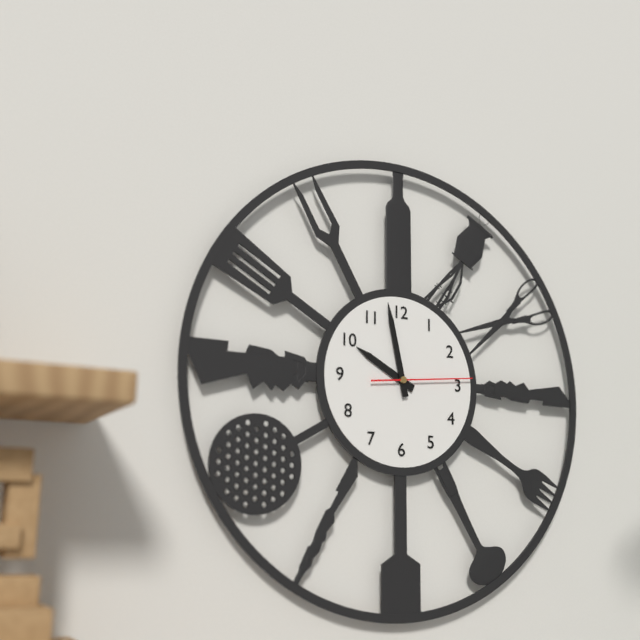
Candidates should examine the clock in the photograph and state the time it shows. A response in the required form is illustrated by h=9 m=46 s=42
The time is h=9 m=58 s=14
